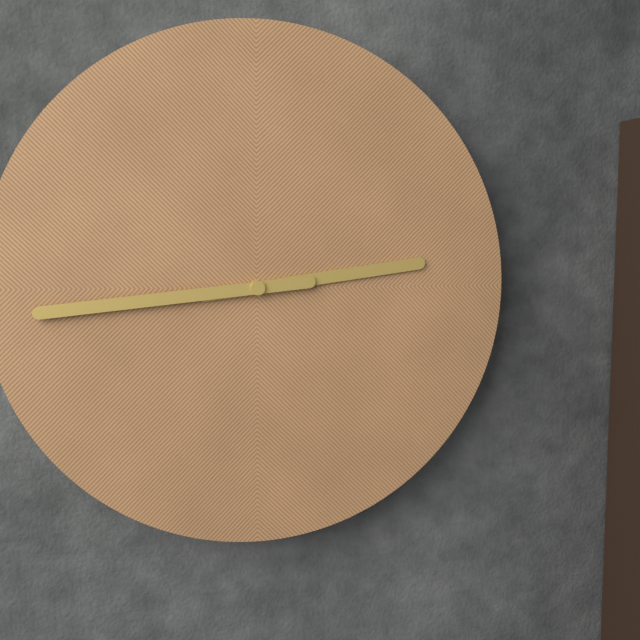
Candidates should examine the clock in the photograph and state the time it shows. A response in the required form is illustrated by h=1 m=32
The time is h=2 m=44
